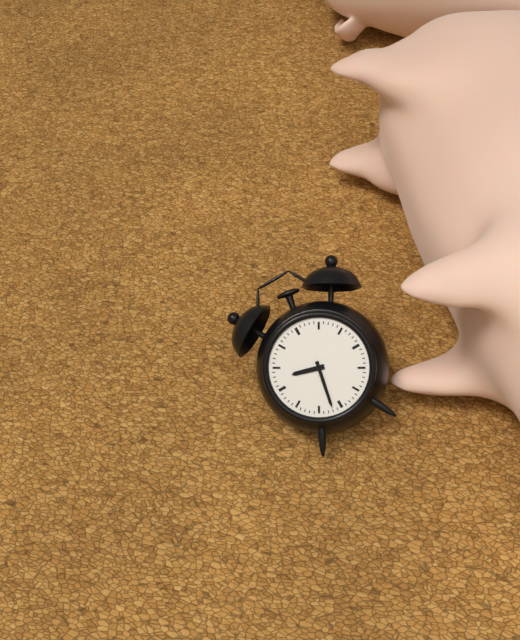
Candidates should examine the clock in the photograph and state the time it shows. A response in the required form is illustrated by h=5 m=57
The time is h=9 m=32
